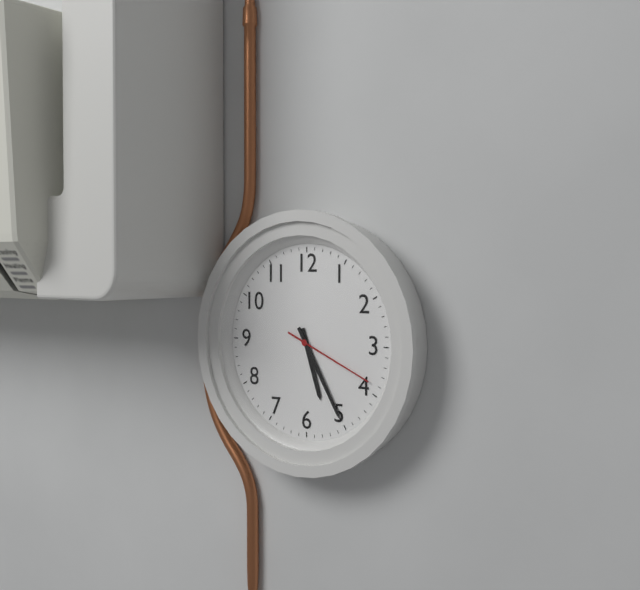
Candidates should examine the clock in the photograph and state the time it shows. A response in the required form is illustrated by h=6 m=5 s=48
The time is h=5 m=25 s=19
